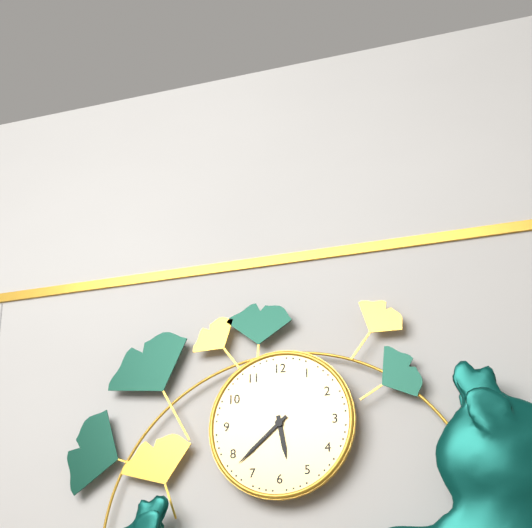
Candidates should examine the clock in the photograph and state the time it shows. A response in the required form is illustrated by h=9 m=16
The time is h=5 m=38
